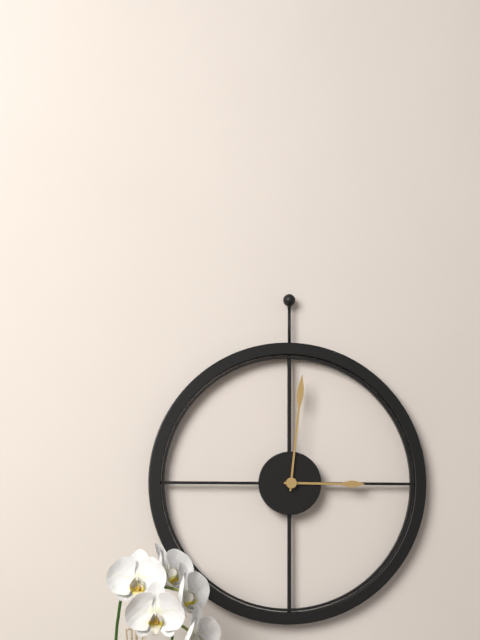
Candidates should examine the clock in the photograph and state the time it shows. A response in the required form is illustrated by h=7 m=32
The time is h=3 m=1
